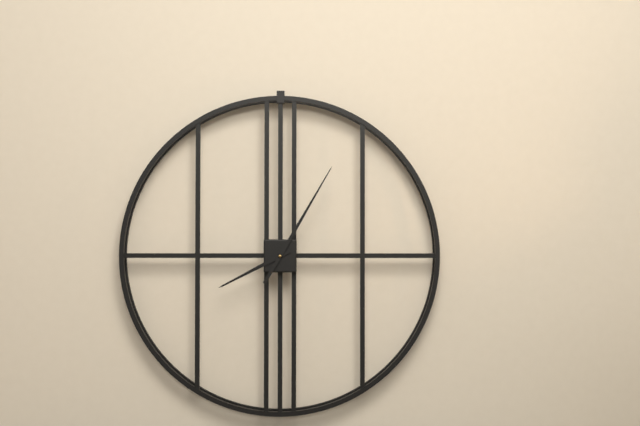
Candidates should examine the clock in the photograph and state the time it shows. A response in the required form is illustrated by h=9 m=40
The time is h=8 m=5
